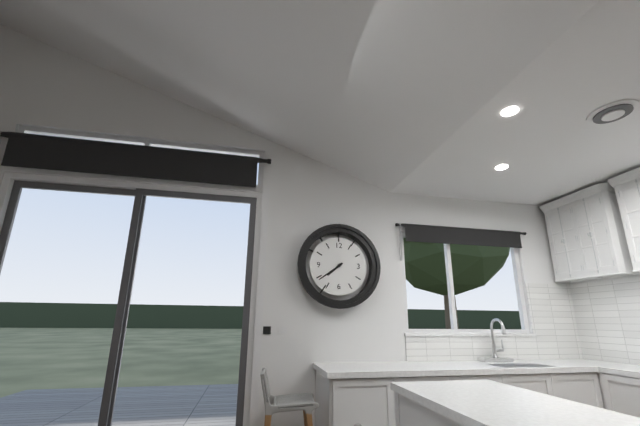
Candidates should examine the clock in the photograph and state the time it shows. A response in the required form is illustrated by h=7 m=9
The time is h=7 m=39
